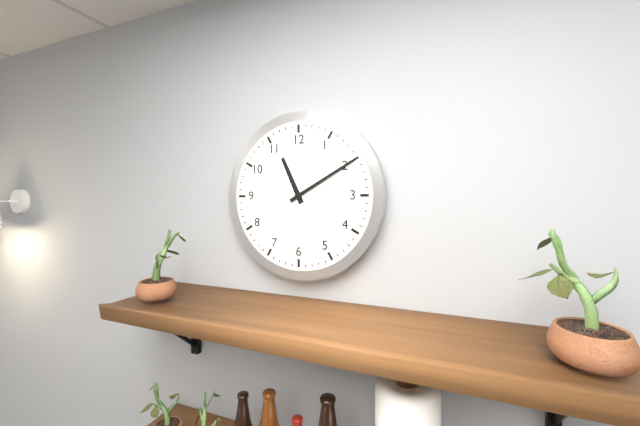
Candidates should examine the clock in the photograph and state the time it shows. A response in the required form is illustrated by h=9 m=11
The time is h=11 m=10
